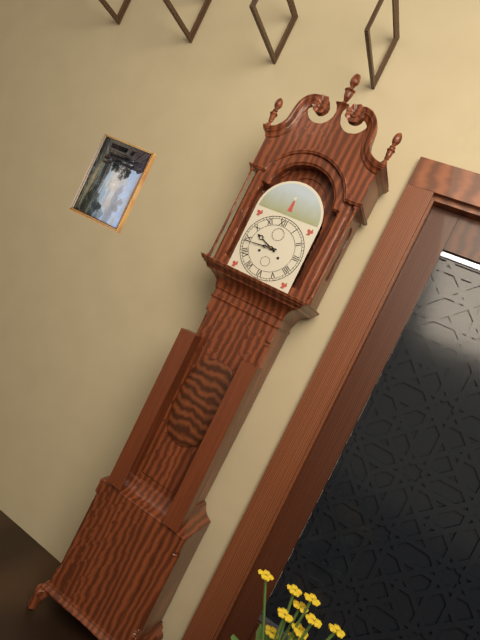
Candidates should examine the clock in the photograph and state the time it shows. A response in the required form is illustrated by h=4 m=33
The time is h=9 m=44
